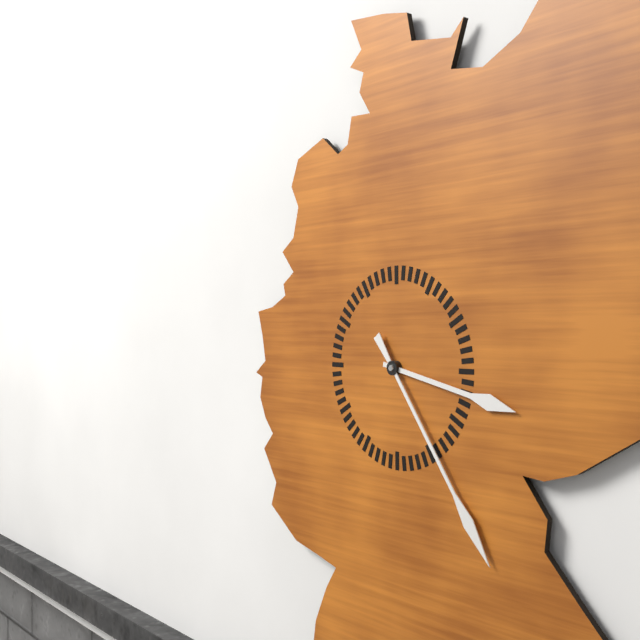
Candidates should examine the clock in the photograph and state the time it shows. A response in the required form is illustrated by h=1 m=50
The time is h=3 m=24
